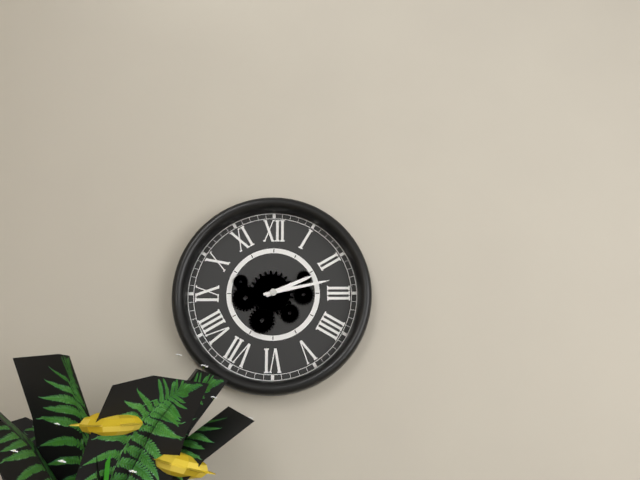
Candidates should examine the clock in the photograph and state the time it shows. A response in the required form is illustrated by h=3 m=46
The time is h=2 m=13
